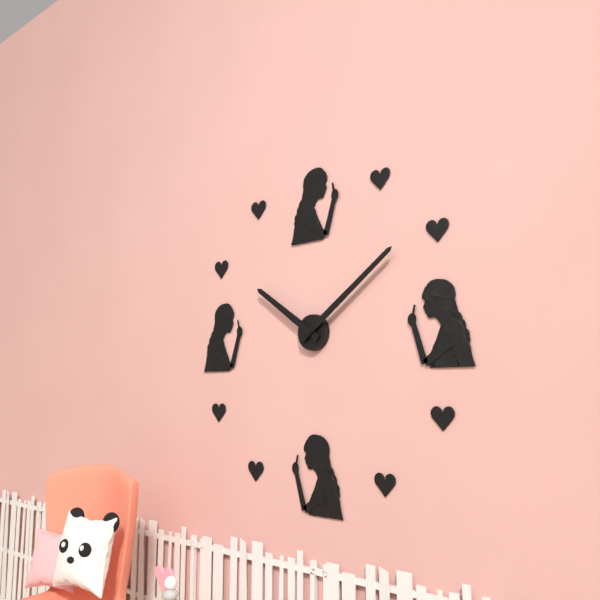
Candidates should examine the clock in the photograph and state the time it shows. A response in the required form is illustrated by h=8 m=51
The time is h=10 m=9
